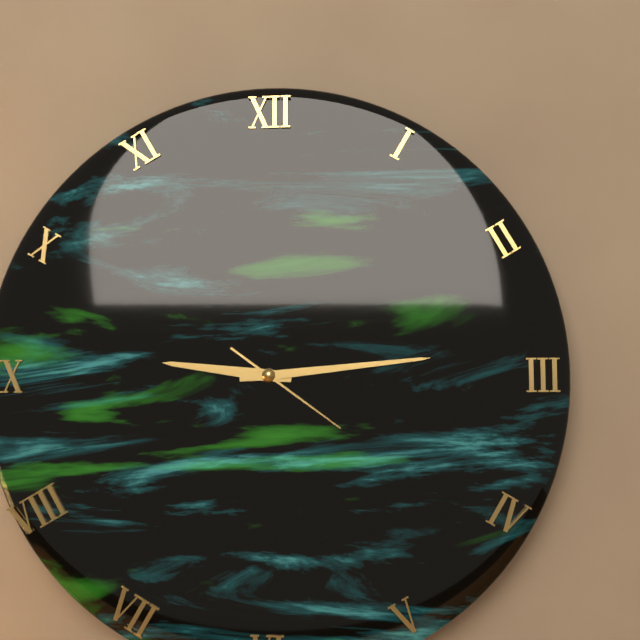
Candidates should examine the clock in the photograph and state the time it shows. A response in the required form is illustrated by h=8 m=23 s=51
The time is h=9 m=14 s=21
